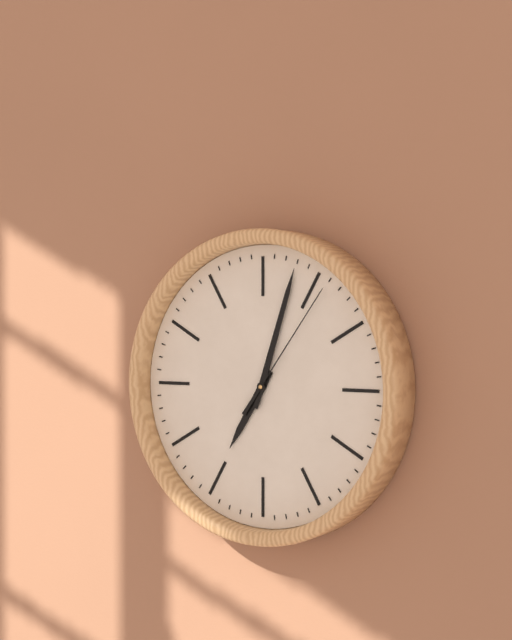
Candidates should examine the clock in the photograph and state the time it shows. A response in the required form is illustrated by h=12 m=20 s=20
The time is h=7 m=3 s=6
